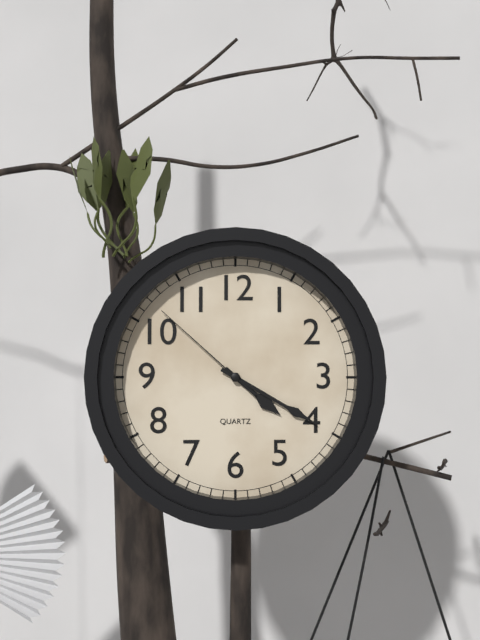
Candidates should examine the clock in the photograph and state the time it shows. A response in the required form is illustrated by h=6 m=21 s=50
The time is h=4 m=20 s=52
